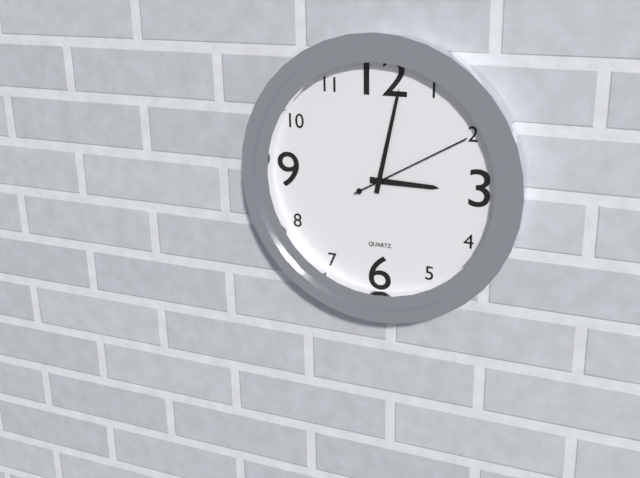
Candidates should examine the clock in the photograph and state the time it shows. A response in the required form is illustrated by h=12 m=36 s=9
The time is h=3 m=2 s=10
